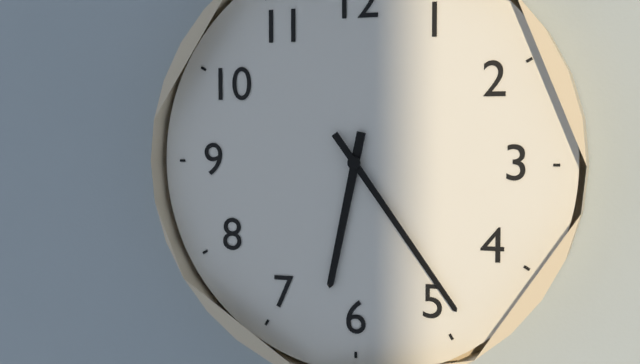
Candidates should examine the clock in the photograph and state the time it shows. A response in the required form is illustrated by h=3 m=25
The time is h=6 m=24
